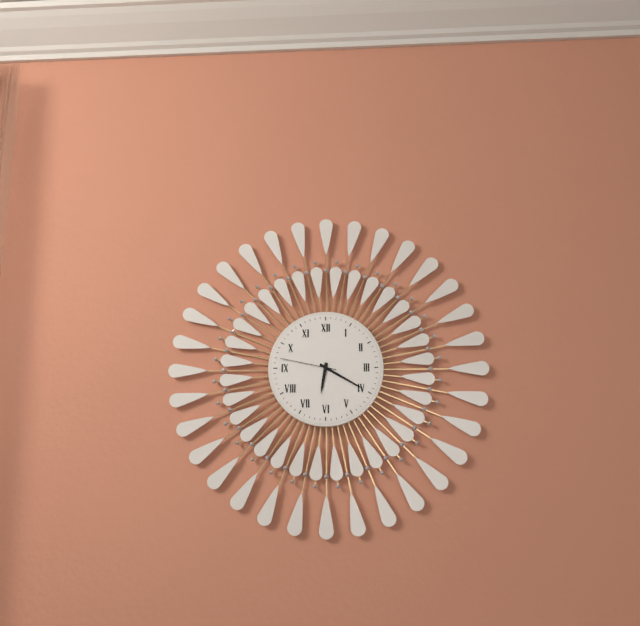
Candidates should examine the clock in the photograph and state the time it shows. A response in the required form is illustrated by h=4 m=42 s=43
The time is h=6 m=20 s=47
